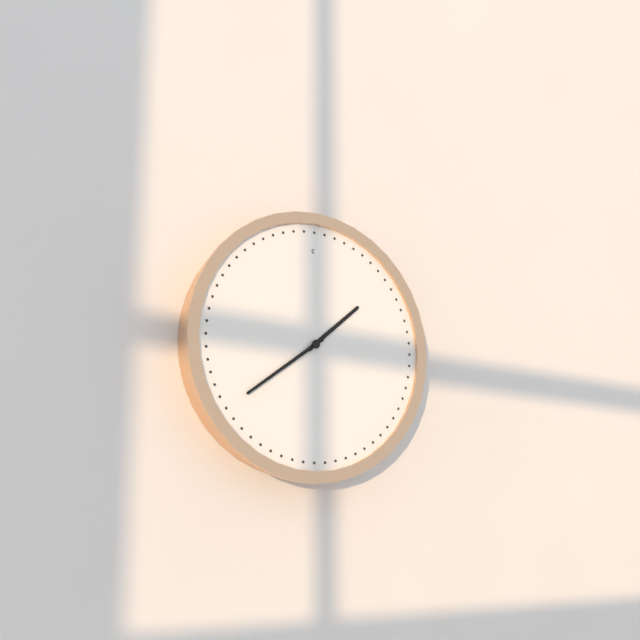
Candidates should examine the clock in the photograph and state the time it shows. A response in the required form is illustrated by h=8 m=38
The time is h=1 m=39
